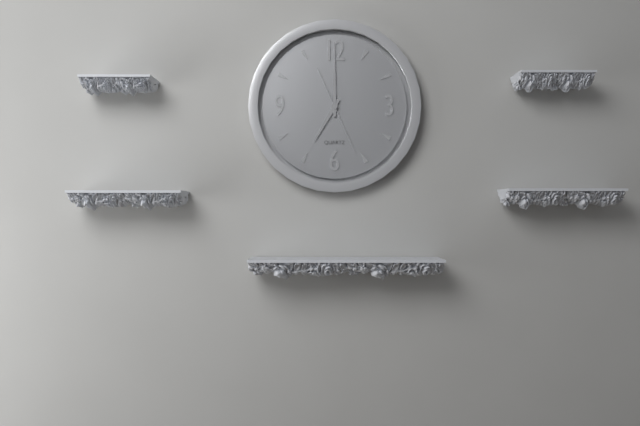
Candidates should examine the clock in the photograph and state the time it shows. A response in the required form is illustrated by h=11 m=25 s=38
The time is h=7 m=0 s=26
